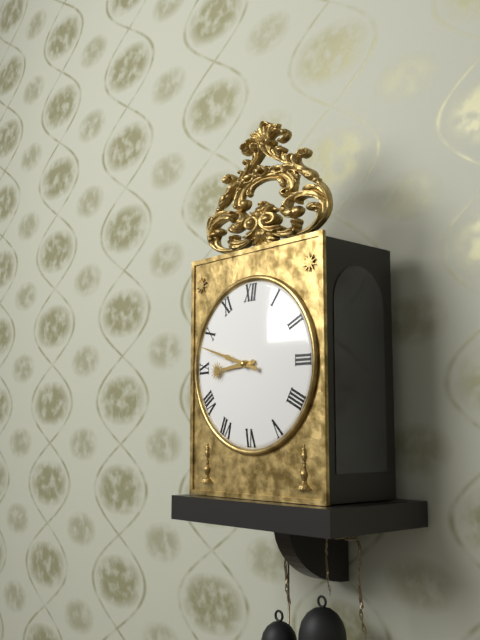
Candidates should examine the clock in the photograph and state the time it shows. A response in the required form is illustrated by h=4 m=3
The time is h=8 m=48
